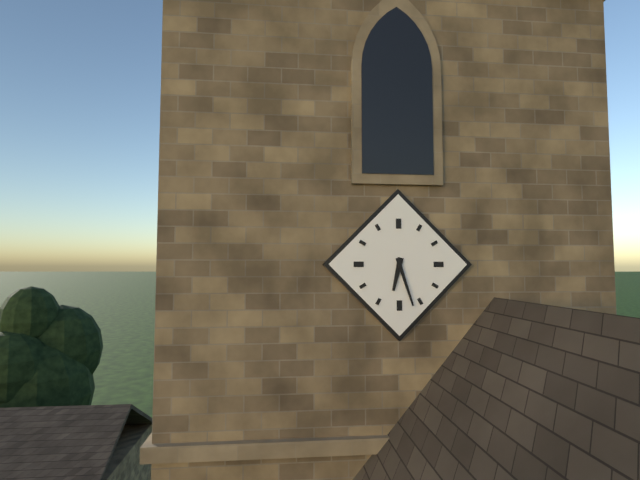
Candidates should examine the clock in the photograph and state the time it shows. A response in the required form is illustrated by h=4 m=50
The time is h=6 m=27
